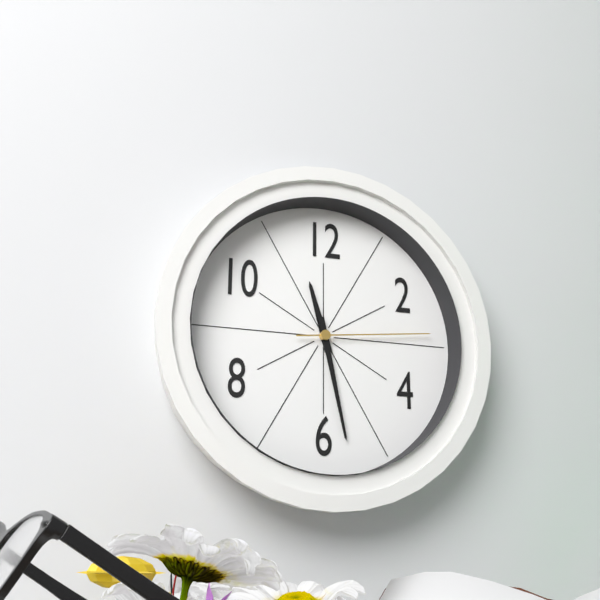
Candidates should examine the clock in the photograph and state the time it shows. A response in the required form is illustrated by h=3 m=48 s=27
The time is h=11 m=28 s=14
